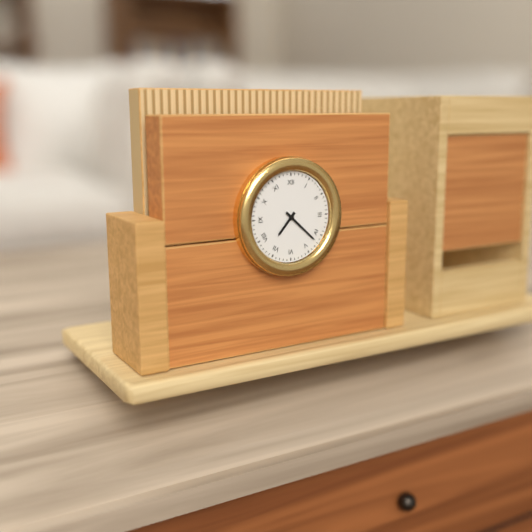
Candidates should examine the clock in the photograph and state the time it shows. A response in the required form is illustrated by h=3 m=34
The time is h=7 m=22
